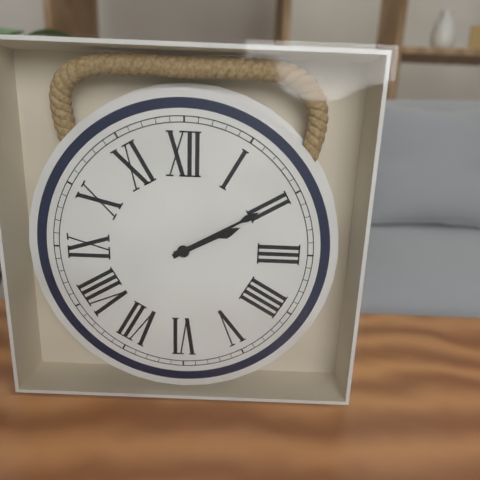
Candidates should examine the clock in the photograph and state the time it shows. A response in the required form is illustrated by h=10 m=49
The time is h=2 m=10
